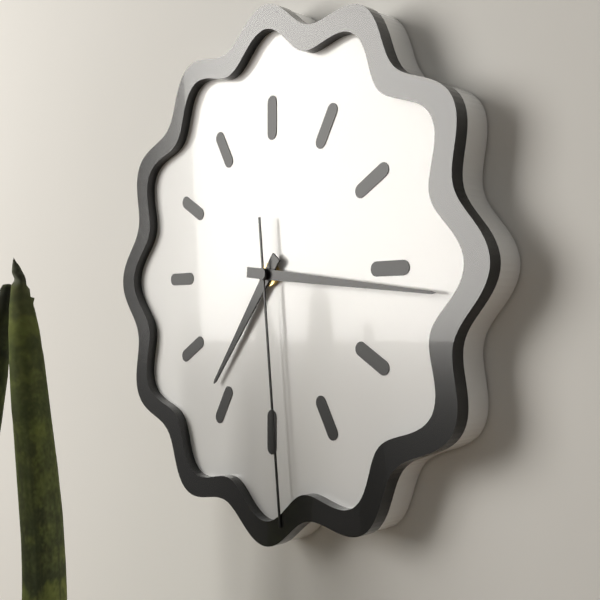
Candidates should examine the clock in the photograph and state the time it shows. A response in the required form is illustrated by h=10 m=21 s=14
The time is h=7 m=16 s=29
